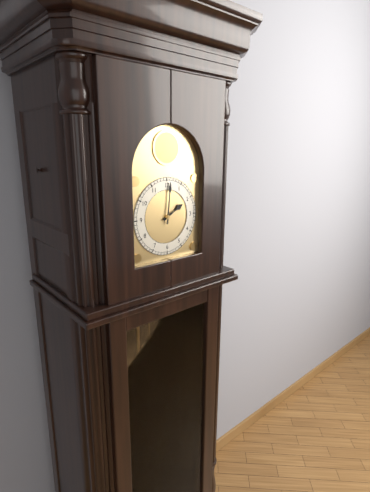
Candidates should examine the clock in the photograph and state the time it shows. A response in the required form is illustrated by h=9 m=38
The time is h=2 m=1
